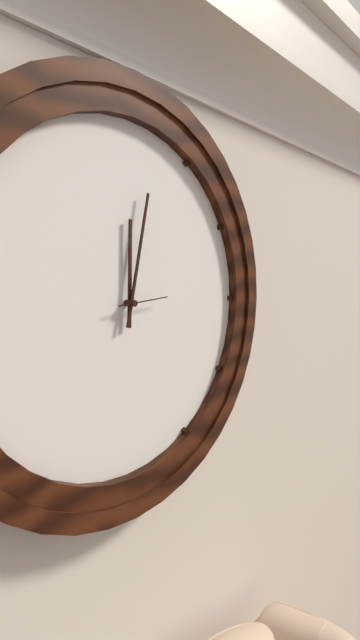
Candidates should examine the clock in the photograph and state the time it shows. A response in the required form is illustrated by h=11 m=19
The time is h=12 m=2
